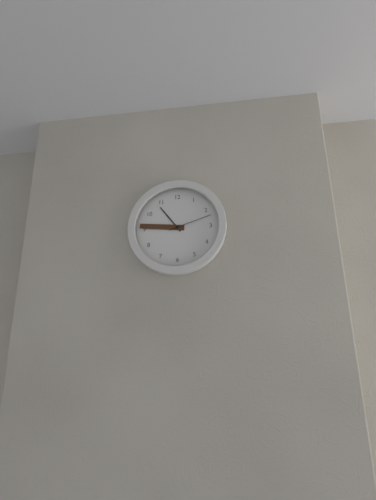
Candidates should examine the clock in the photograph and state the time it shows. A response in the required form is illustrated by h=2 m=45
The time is h=10 m=46
